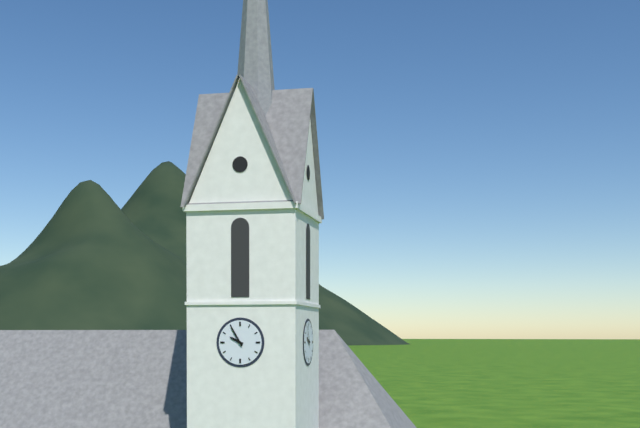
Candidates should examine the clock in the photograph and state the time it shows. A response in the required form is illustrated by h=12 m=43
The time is h=9 m=55
